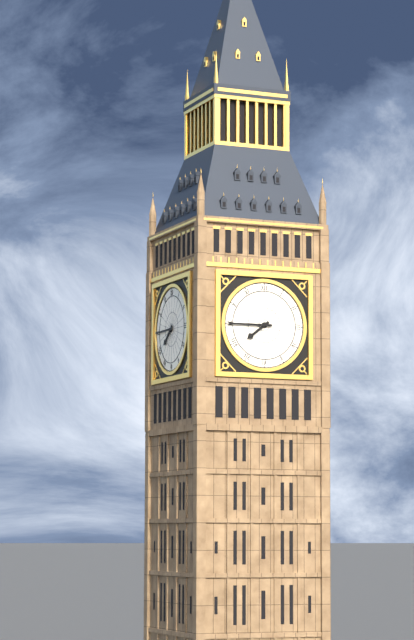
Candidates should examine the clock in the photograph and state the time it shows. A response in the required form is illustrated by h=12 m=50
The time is h=7 m=45
